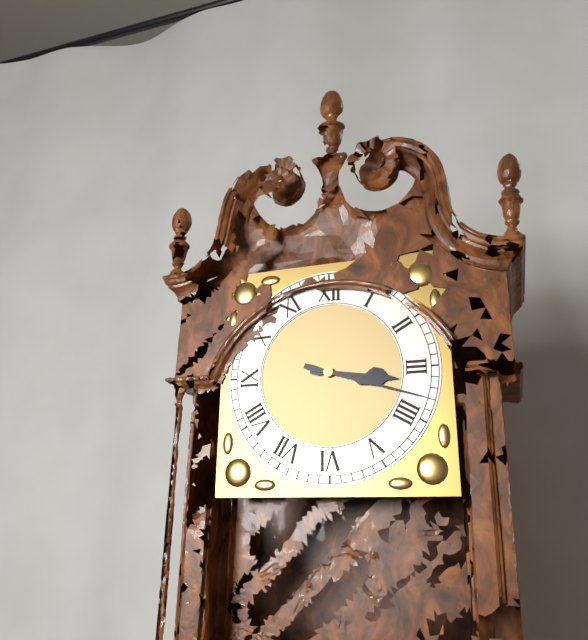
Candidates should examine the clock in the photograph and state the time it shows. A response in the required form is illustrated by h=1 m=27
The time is h=3 m=18
